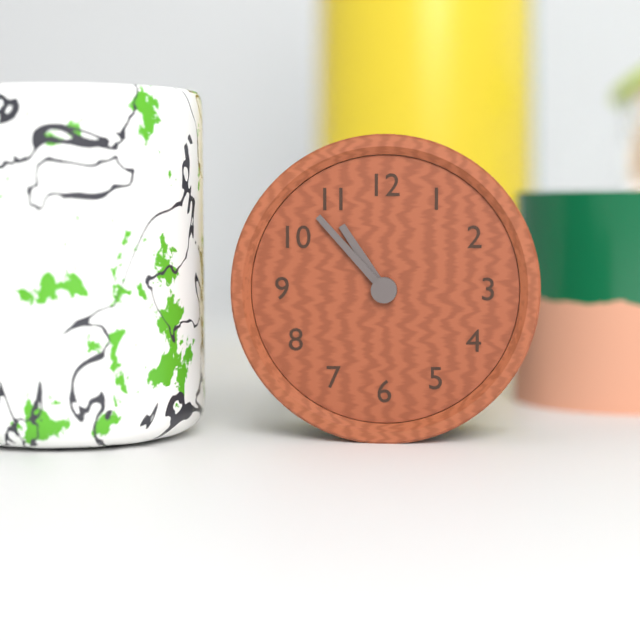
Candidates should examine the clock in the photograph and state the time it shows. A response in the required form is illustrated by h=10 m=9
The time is h=10 m=53
